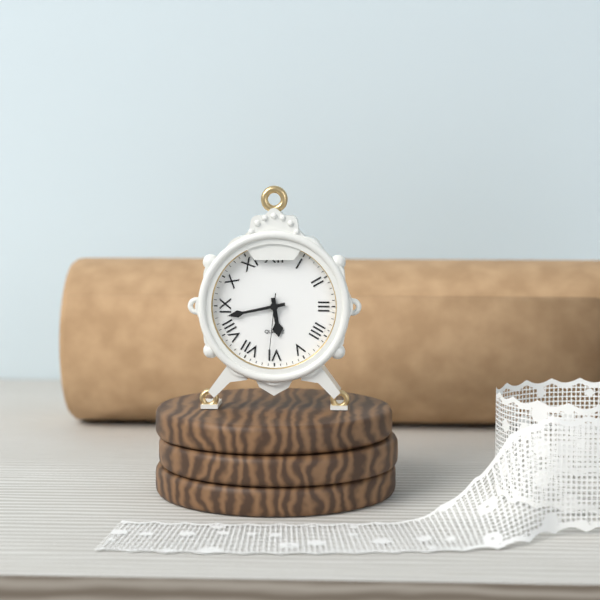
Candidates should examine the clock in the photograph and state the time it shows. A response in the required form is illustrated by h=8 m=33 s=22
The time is h=5 m=43 s=31
